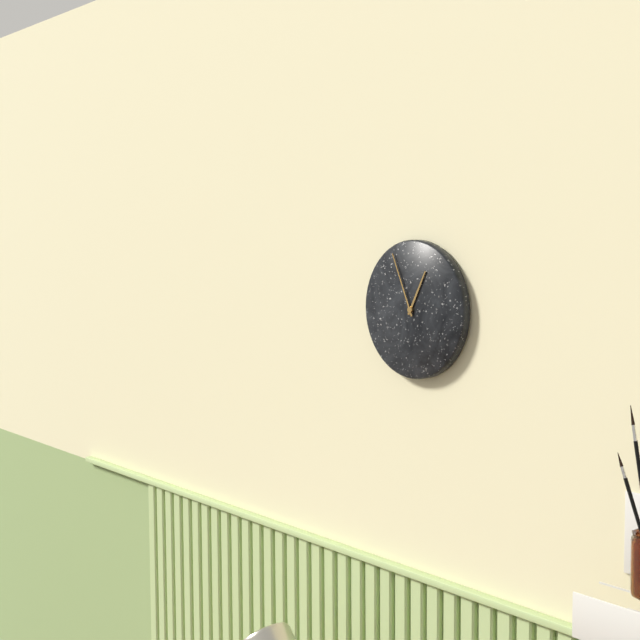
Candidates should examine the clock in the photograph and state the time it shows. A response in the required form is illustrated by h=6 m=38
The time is h=12 m=56
